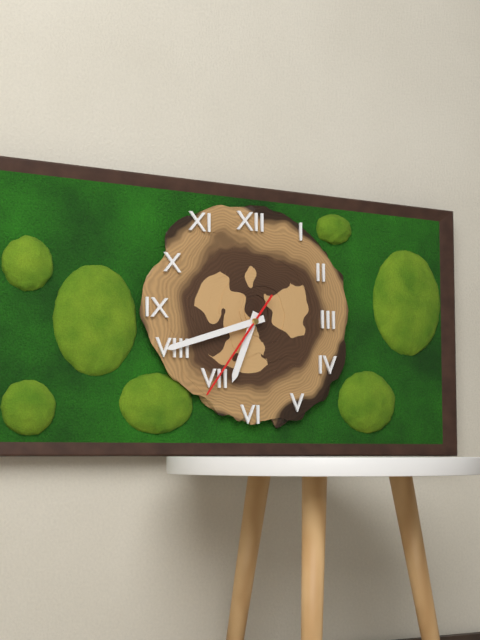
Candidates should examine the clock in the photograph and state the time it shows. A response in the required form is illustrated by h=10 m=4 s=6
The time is h=6 m=42 s=36
